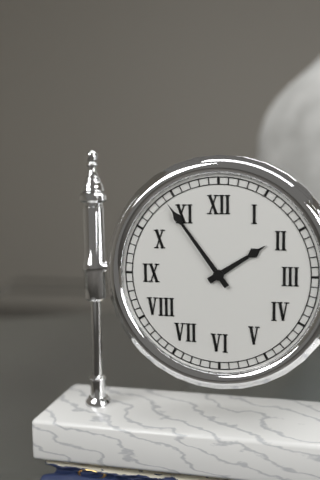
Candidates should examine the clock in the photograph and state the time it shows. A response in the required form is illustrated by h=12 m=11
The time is h=1 m=54
